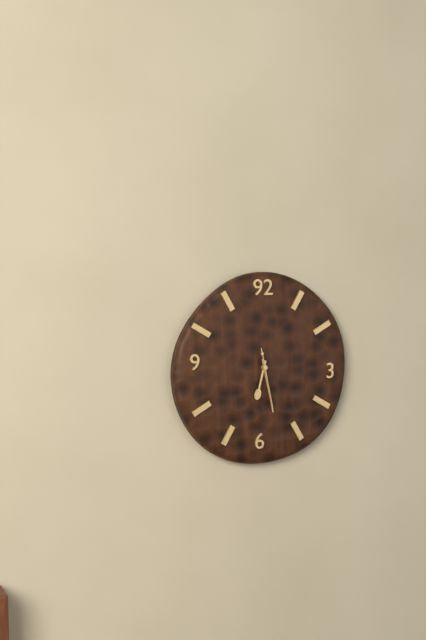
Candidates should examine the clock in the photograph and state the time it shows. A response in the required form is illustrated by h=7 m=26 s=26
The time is h=6 m=28 s=28
